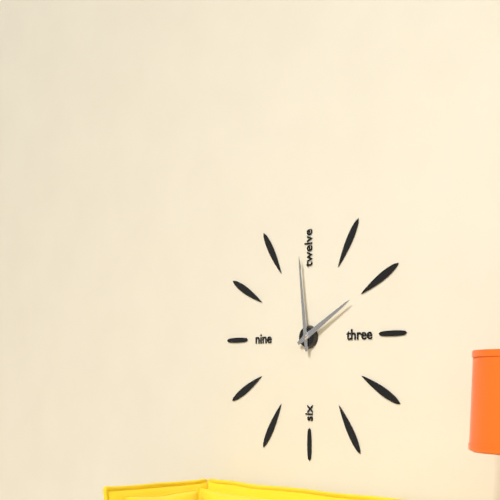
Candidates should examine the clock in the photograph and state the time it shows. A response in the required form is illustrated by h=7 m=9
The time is h=1 m=59
